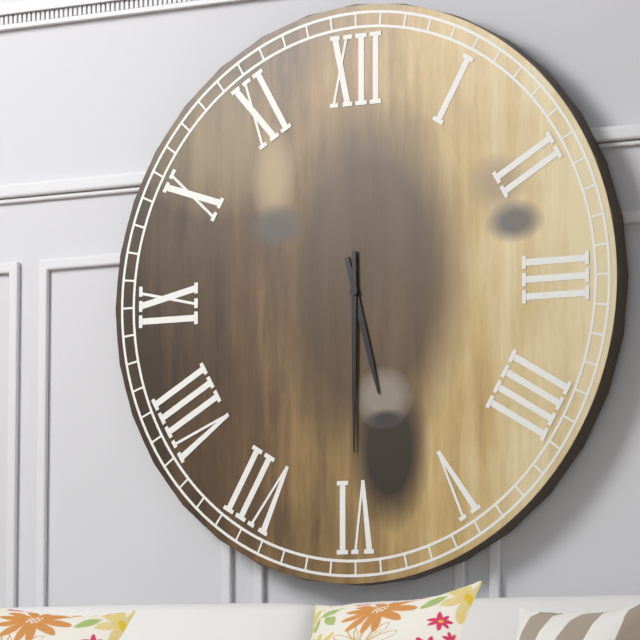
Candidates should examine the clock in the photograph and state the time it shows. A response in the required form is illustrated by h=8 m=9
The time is h=5 m=30
